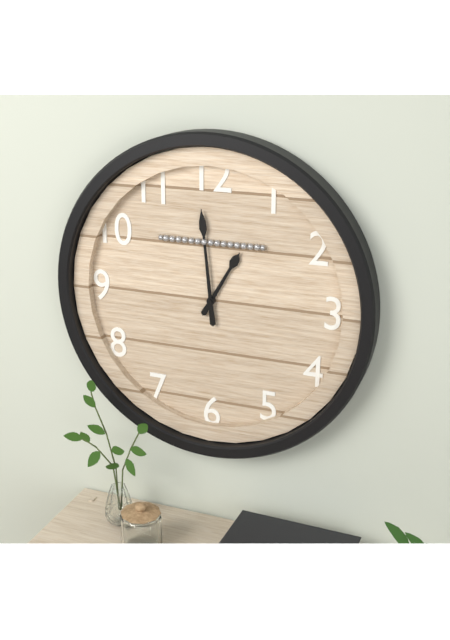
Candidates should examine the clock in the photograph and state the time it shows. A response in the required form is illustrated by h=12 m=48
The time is h=12 m=59
